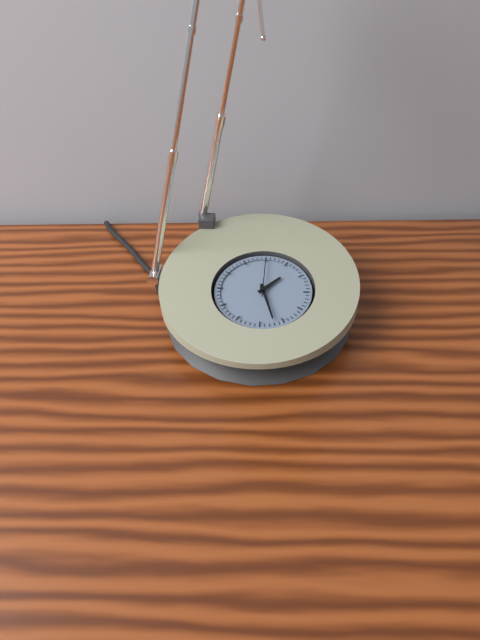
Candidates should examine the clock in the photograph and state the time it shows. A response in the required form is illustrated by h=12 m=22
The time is h=1 m=27
